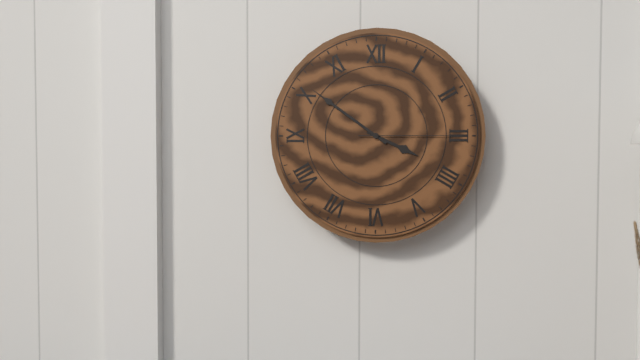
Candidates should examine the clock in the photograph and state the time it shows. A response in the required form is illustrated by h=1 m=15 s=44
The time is h=3 m=51 s=15
